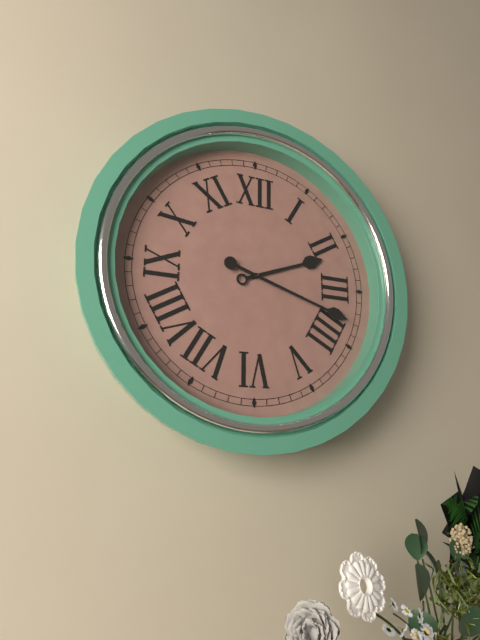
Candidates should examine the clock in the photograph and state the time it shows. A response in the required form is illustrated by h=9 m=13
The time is h=2 m=18
